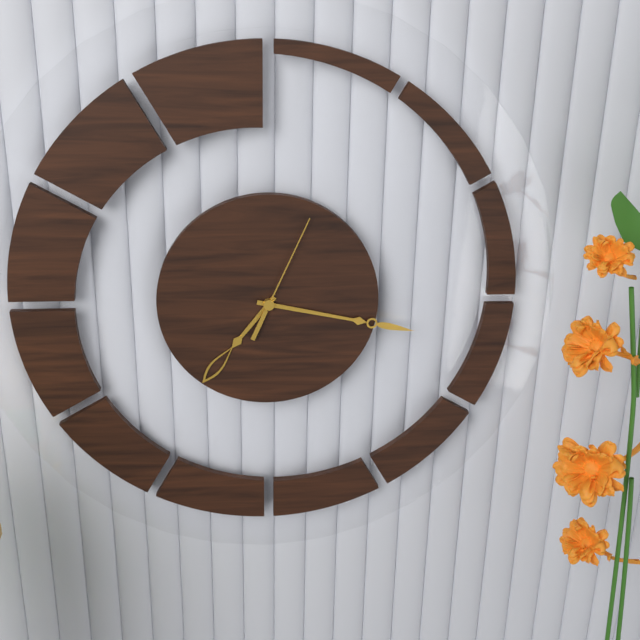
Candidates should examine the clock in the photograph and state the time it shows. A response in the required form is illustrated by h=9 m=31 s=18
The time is h=7 m=17 s=4
